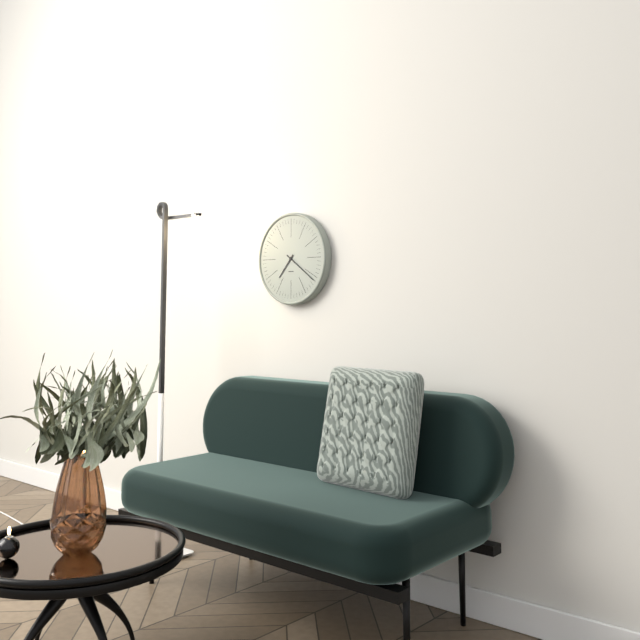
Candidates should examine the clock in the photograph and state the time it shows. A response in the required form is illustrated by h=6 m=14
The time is h=7 m=21
